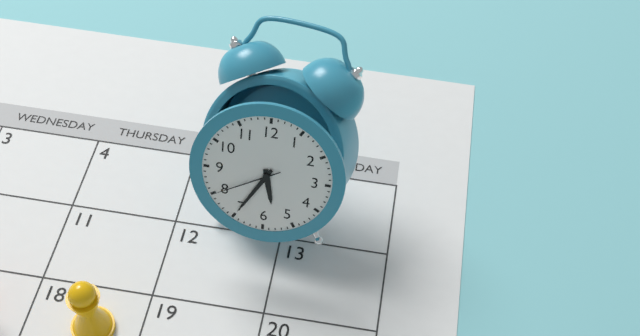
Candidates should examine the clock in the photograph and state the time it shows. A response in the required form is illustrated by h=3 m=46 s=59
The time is h=5 m=35 s=40
